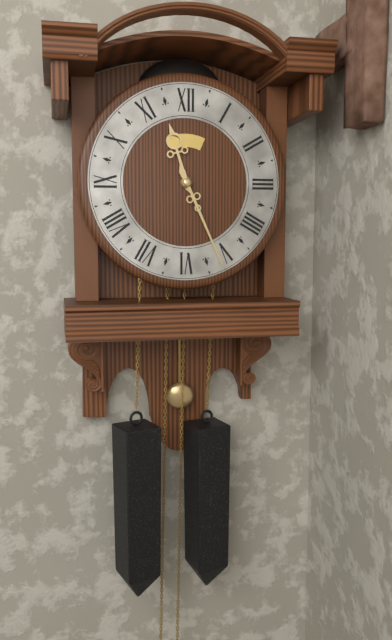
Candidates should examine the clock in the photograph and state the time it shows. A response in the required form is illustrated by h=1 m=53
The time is h=11 m=26
